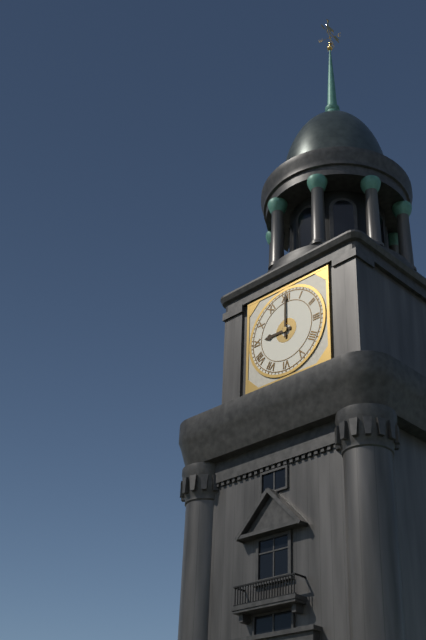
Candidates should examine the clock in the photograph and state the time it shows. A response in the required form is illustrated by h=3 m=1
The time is h=9 m=0
